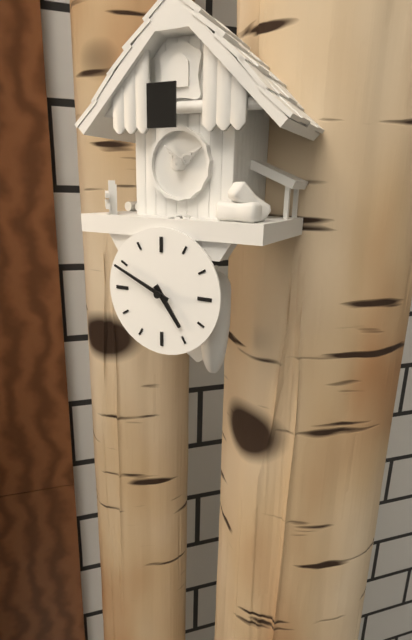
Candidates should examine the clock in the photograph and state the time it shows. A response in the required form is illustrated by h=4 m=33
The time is h=4 m=49
